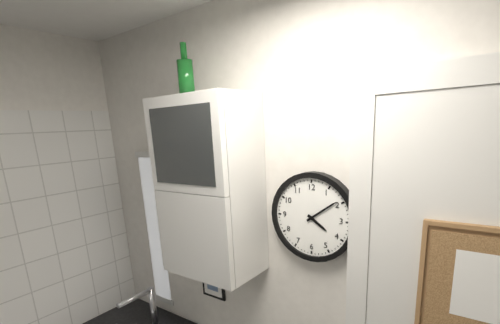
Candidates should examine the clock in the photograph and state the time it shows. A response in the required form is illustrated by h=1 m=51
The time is h=4 m=9
